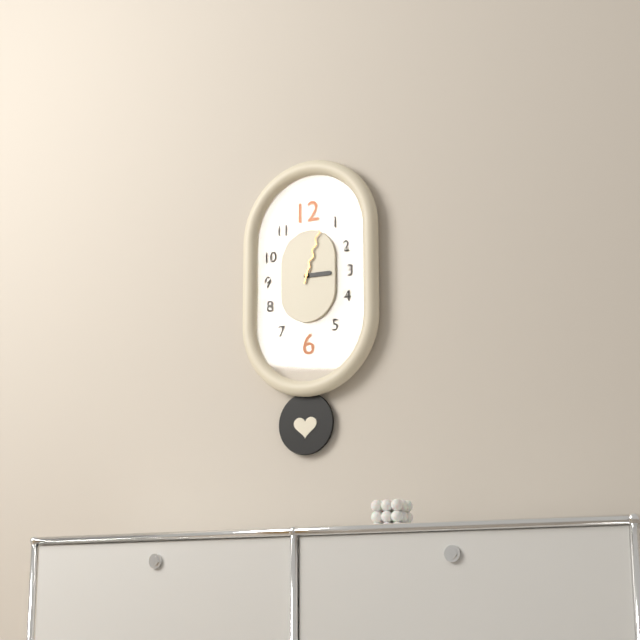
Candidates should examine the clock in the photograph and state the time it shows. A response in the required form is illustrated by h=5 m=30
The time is h=3 m=3
